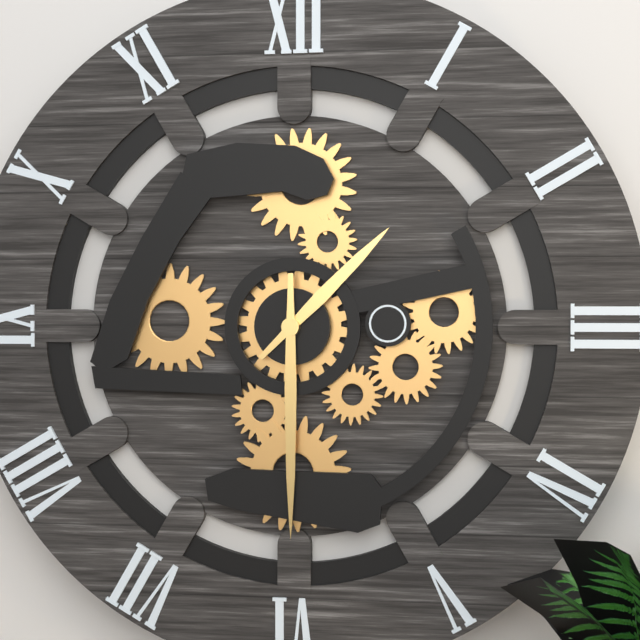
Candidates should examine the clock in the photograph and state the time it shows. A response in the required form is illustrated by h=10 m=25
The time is h=1 m=30
